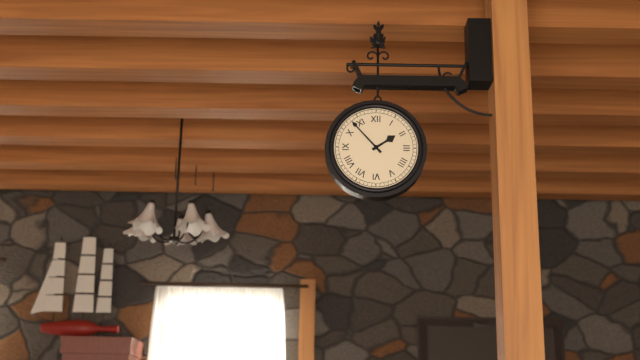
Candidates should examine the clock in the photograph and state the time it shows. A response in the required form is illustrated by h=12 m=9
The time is h=1 m=53
